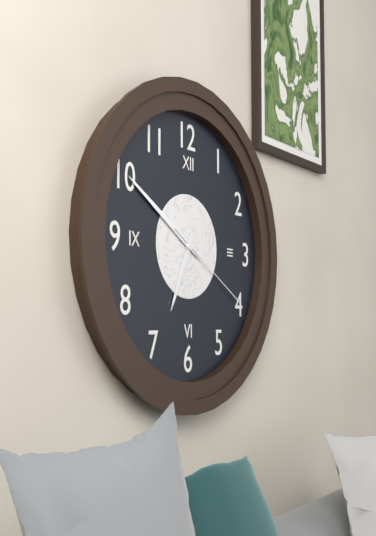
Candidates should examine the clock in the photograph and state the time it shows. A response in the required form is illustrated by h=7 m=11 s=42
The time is h=6 m=50 s=20
